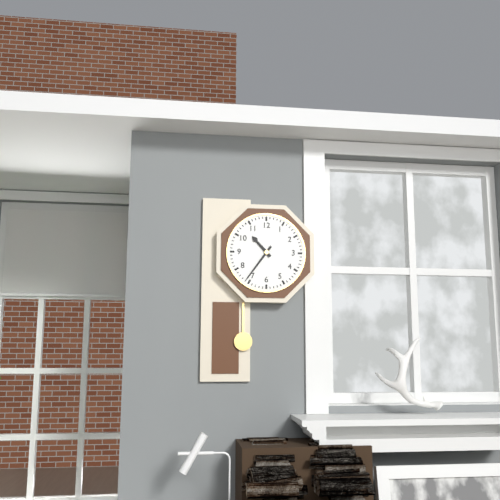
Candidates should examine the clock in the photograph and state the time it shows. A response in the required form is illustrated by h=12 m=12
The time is h=10 m=36
